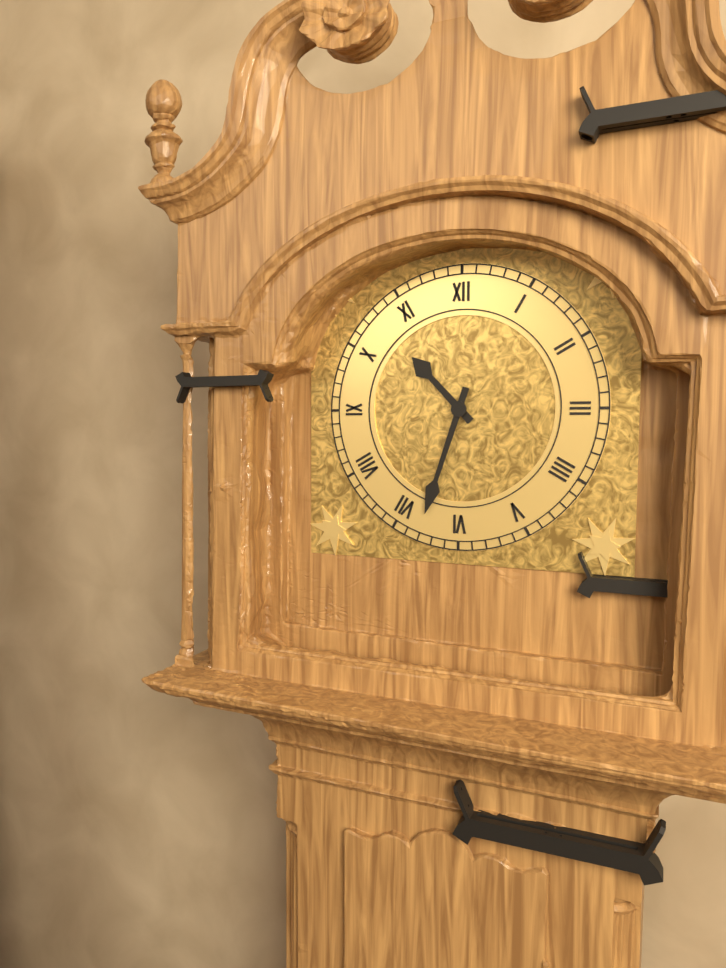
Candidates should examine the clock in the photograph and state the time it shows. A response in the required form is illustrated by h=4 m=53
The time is h=10 m=33
